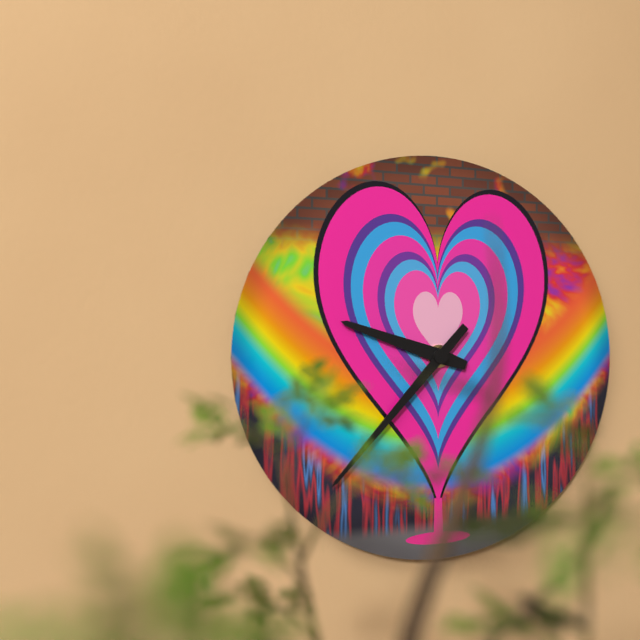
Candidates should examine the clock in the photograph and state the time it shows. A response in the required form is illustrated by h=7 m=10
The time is h=9 m=37
